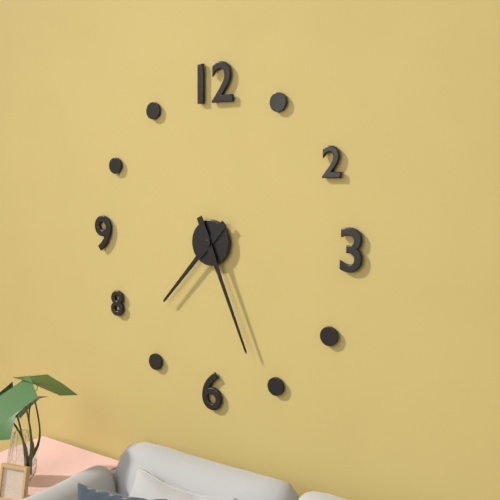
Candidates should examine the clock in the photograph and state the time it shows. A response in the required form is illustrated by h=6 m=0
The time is h=7 m=26
